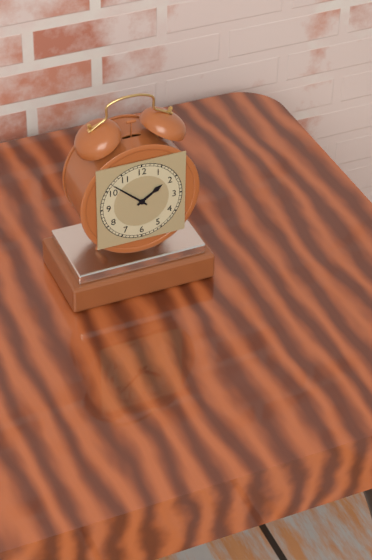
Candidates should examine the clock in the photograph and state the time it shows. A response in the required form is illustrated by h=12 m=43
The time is h=1 m=52
